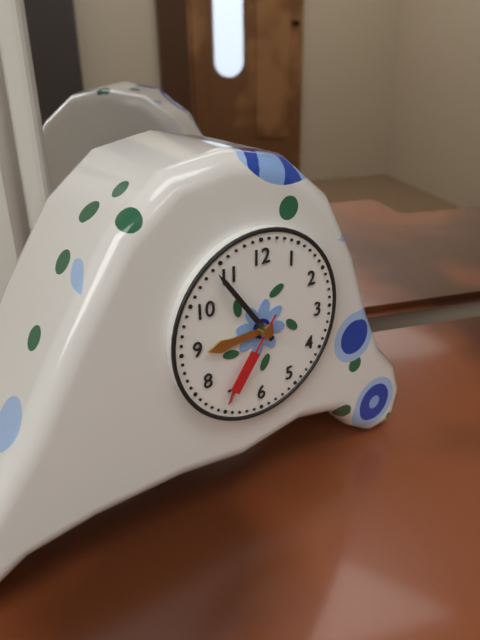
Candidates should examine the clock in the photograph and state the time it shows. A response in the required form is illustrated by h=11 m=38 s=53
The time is h=8 m=54 s=36
